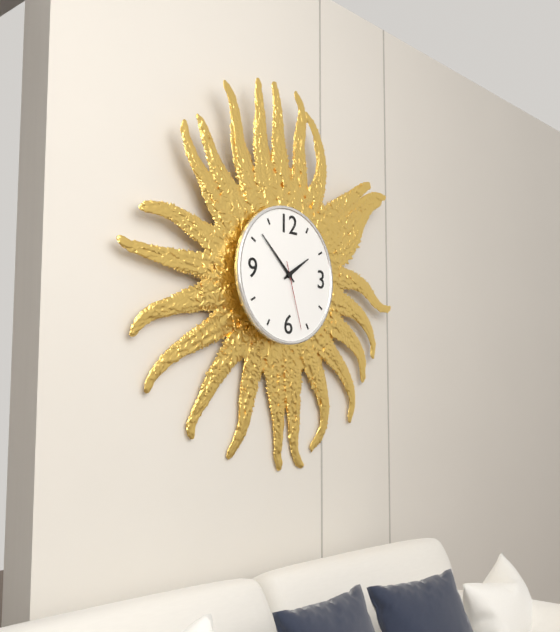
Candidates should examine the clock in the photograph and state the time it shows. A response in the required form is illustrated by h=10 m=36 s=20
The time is h=1 m=52 s=27
